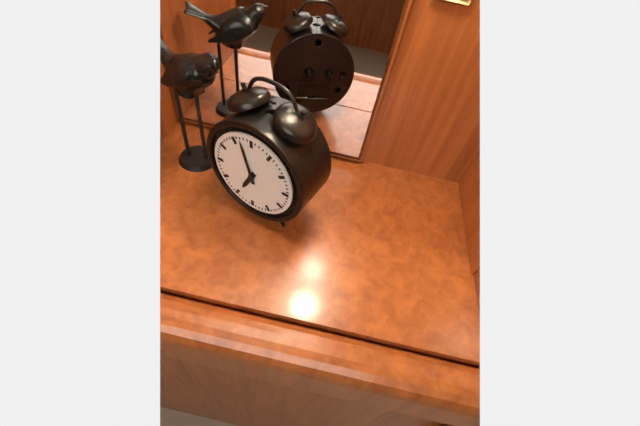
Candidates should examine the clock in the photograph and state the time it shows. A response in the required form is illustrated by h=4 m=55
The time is h=6 m=57
